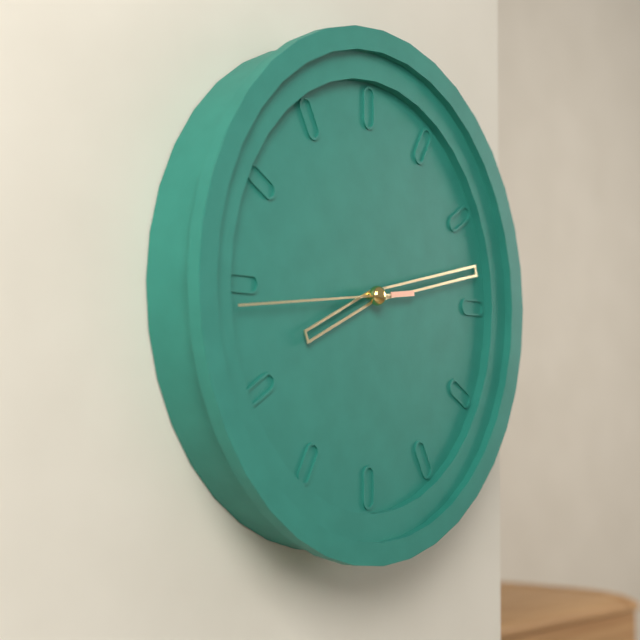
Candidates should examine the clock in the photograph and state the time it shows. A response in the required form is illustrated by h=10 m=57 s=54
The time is h=8 m=13 s=44
